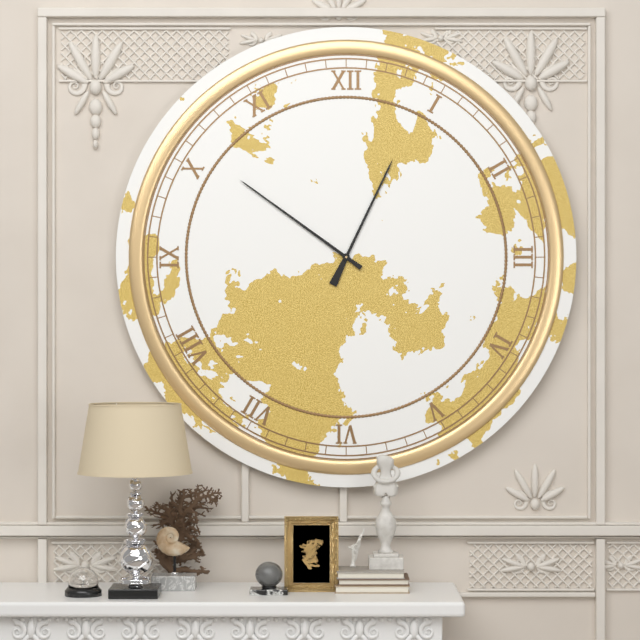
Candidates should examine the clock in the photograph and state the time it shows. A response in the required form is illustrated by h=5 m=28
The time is h=12 m=51
